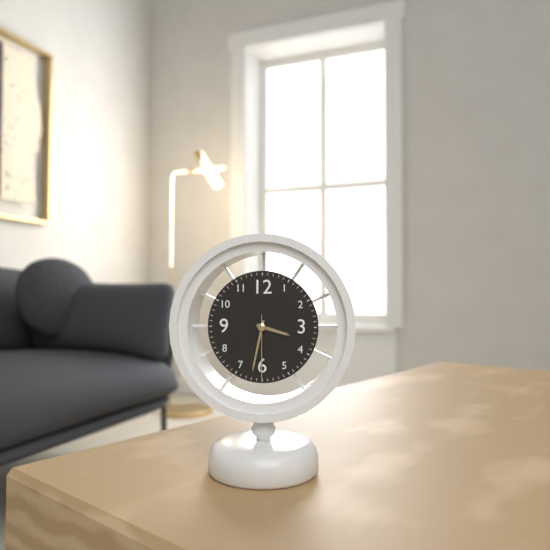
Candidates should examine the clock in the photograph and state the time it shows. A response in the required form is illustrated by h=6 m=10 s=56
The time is h=3 m=32 s=30
